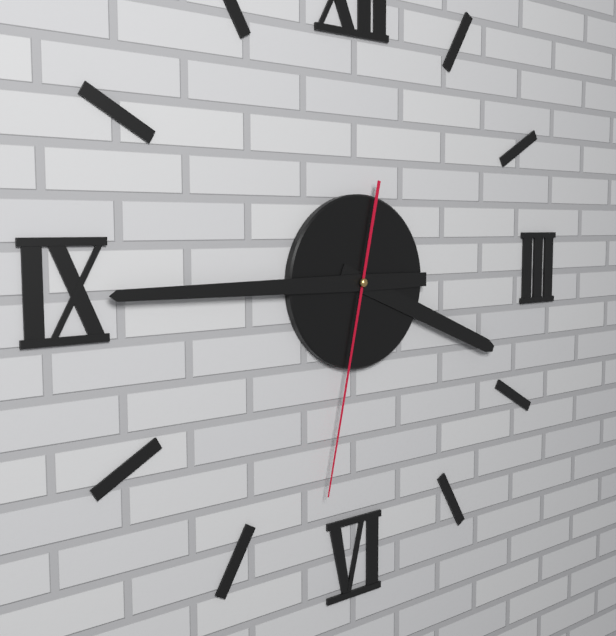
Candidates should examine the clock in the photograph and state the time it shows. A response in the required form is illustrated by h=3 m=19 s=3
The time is h=3 m=45 s=32
